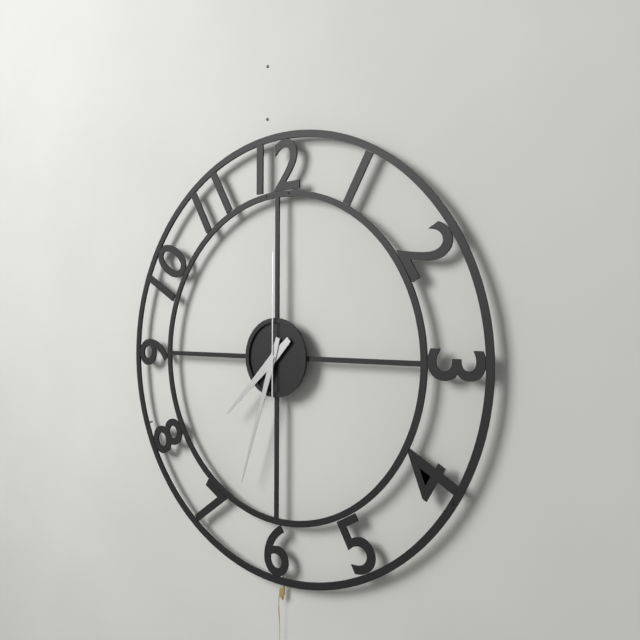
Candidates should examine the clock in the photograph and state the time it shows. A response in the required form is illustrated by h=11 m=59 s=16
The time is h=7 m=33 s=0
